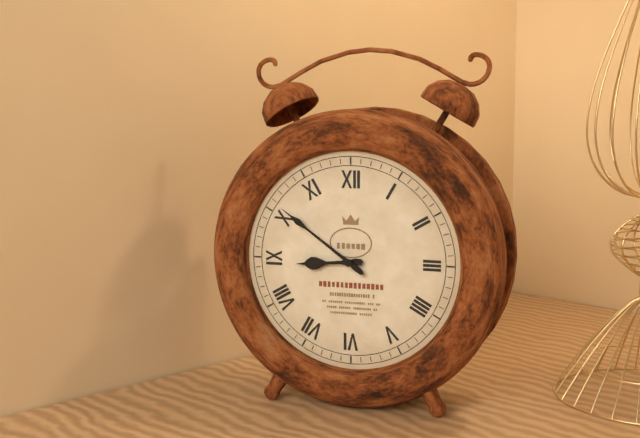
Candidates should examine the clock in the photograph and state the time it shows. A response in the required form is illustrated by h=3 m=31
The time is h=8 m=51
